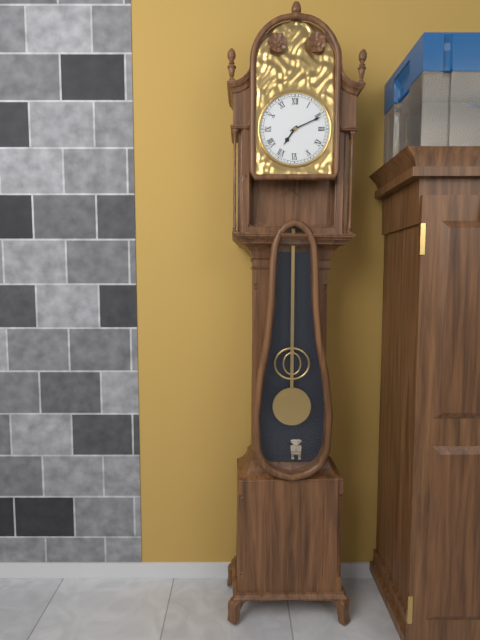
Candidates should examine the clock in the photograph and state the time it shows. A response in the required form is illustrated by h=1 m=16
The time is h=7 m=11
